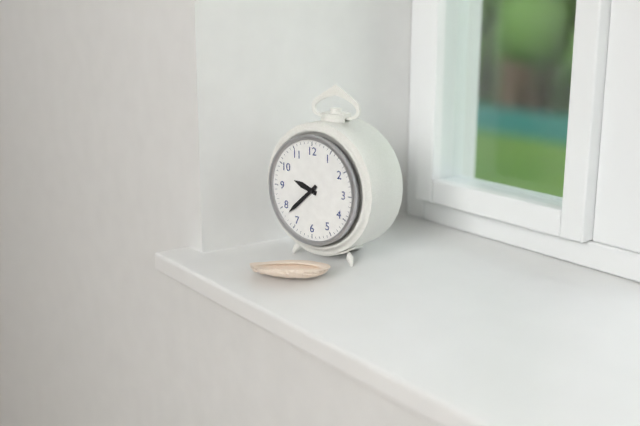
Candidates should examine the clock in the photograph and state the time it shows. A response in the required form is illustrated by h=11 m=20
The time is h=9 m=38
